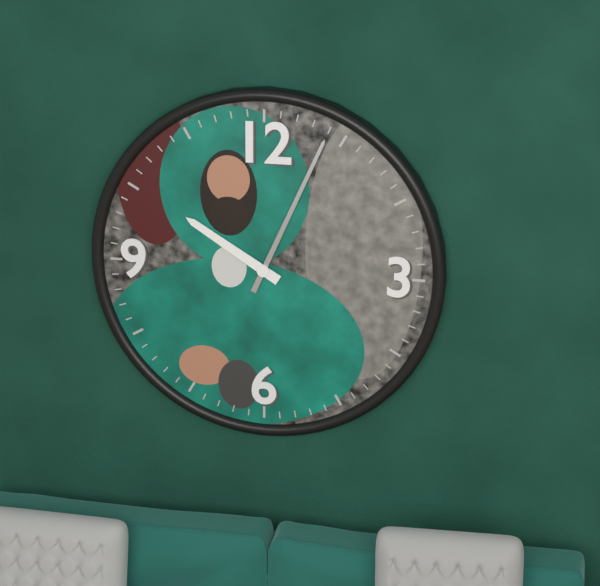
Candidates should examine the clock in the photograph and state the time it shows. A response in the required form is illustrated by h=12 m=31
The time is h=10 m=4
